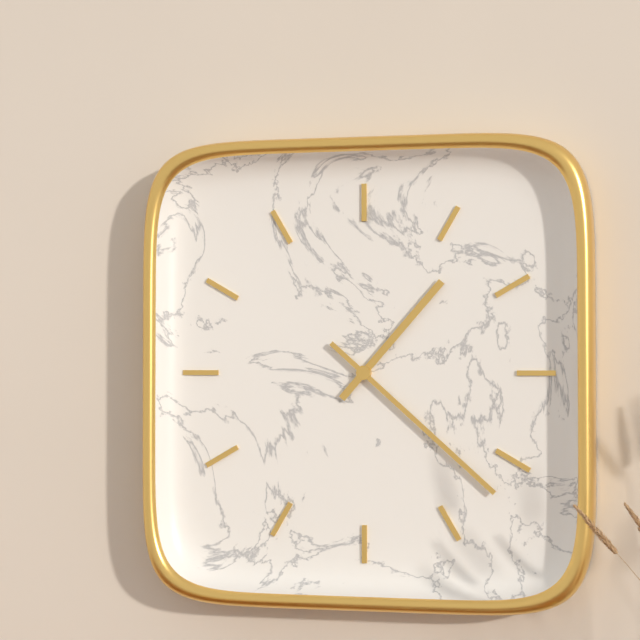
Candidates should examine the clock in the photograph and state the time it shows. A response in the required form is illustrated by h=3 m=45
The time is h=1 m=22
